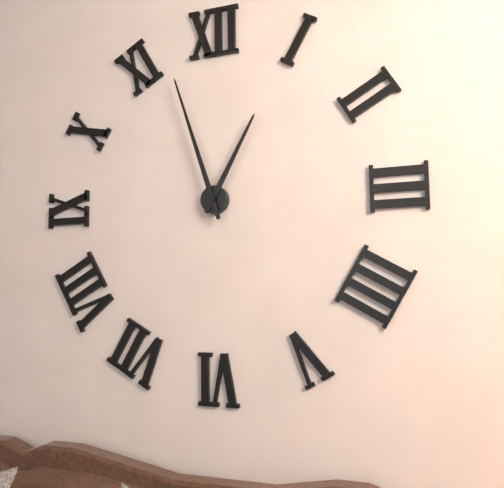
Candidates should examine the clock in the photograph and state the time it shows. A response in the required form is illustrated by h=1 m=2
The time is h=12 m=57
